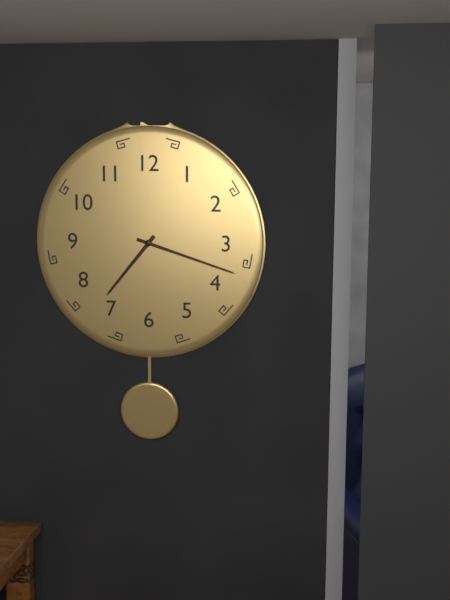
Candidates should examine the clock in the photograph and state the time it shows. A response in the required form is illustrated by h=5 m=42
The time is h=7 m=18
